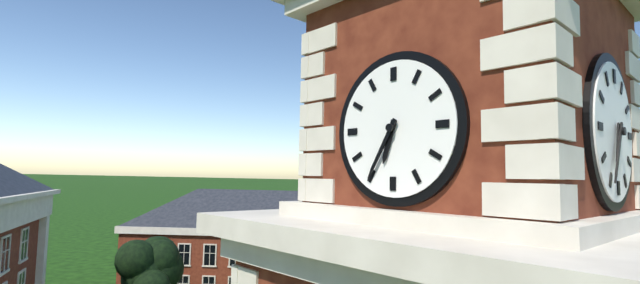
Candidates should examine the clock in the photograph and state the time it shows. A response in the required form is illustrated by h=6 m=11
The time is h=6 m=35
